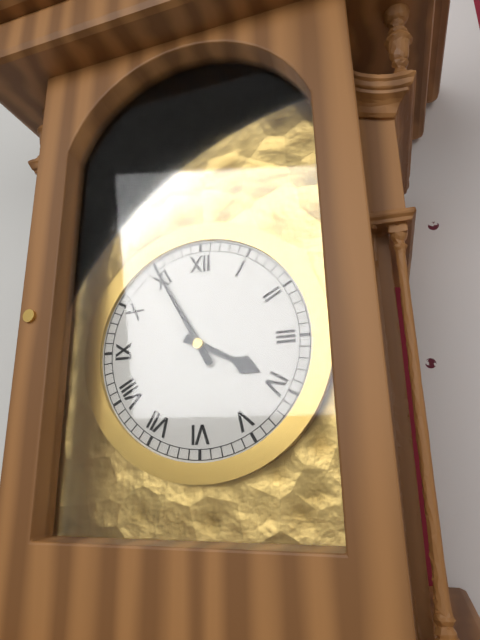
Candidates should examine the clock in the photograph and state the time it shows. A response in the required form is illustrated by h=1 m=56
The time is h=3 m=55
